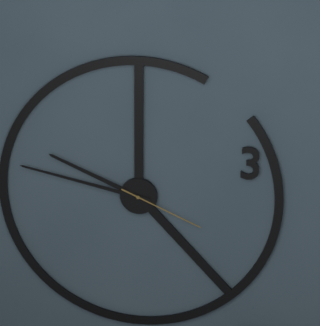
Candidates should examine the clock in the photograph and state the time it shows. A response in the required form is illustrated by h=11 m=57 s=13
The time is h=9 m=47 s=19
